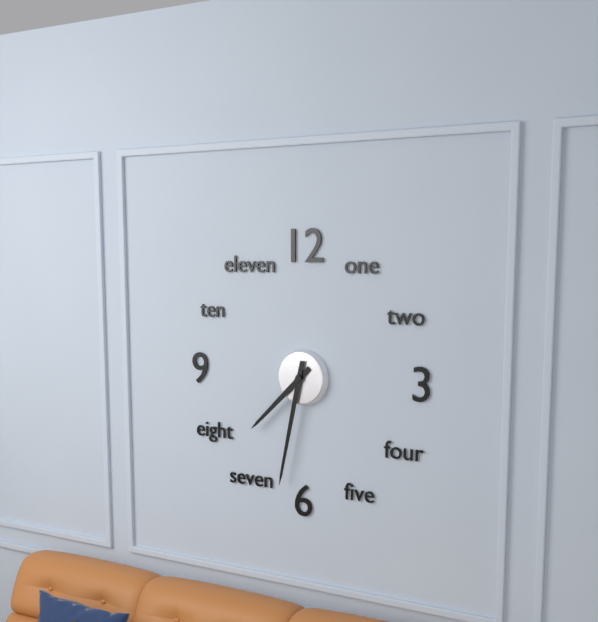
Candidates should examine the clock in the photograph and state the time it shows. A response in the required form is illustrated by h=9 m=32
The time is h=7 m=32
